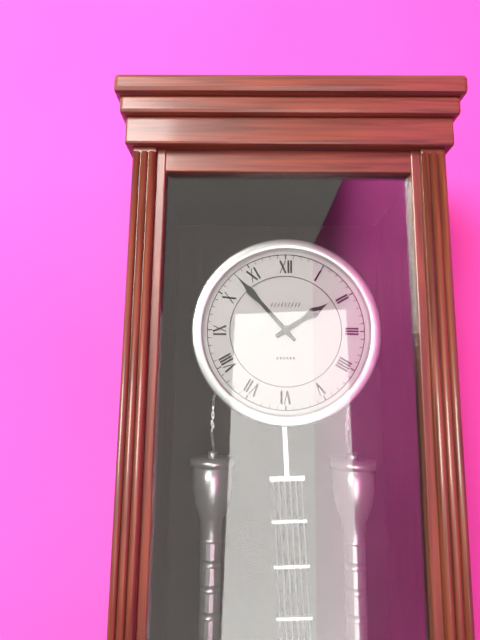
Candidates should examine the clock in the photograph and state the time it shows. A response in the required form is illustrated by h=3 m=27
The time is h=1 m=53
